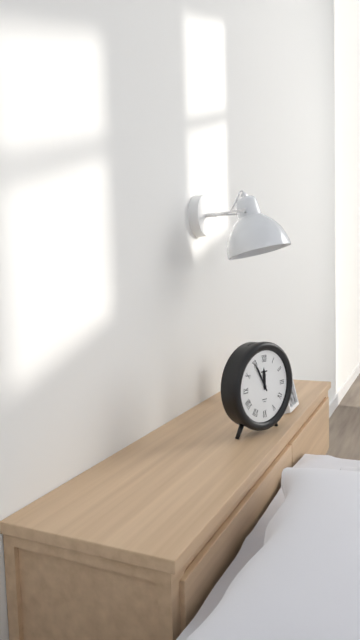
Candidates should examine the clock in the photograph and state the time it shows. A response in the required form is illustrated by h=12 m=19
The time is h=11 m=55
